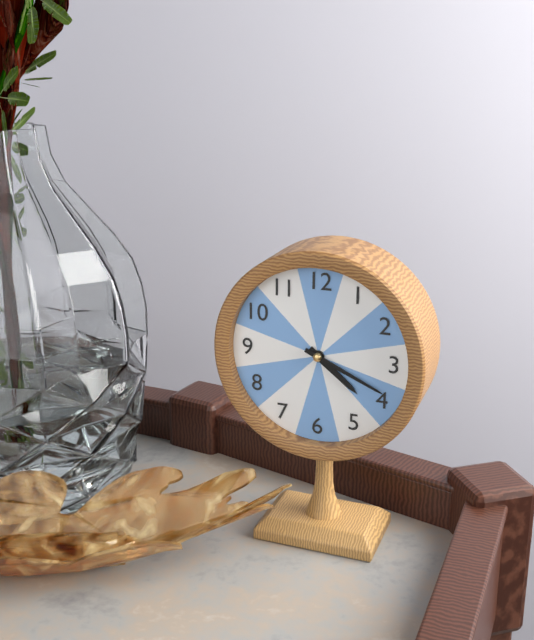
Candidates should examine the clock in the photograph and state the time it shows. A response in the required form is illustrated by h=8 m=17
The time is h=4 m=19
